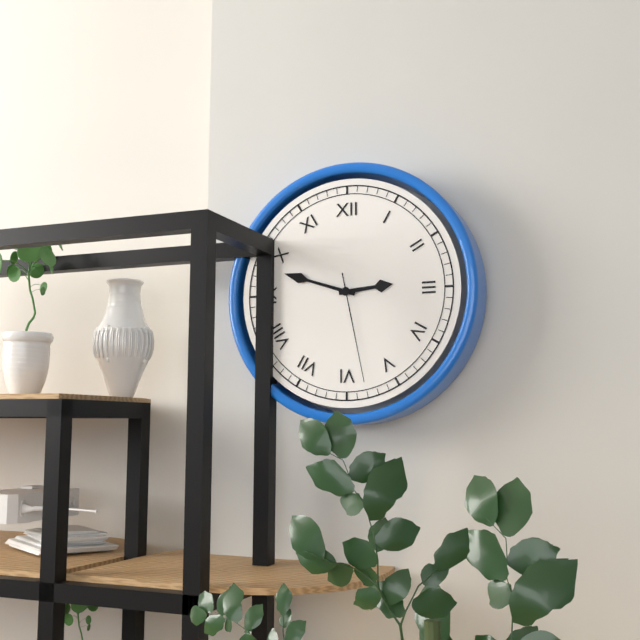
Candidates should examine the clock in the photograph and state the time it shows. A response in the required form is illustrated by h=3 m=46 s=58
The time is h=2 m=48 s=28
